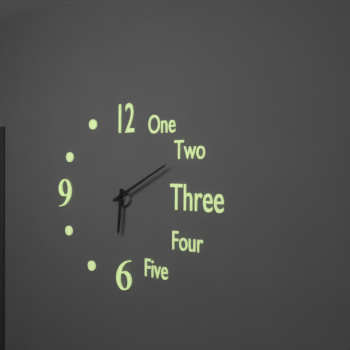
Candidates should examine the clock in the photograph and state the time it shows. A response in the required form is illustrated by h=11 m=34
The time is h=6 m=10
